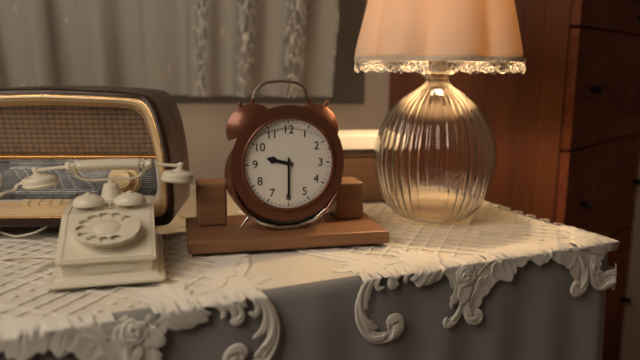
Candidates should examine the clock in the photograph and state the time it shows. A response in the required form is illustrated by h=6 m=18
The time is h=9 m=30
